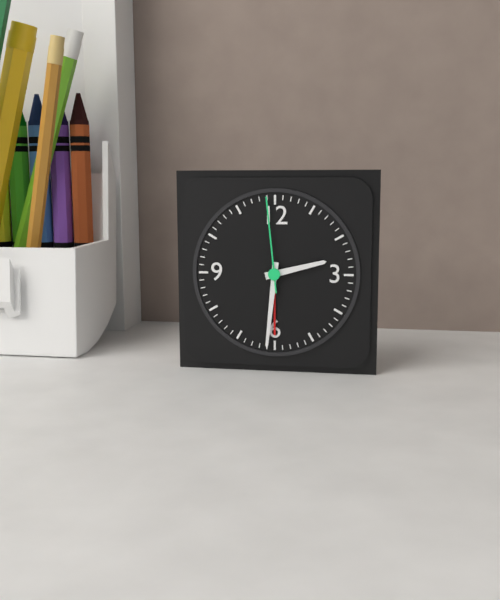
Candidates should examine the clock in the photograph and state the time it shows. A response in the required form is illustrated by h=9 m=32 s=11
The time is h=2 m=31 s=59
